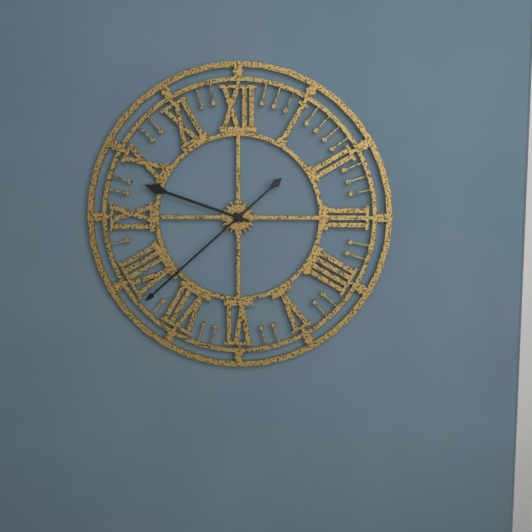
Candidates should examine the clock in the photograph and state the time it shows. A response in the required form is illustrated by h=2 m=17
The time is h=9 m=38
